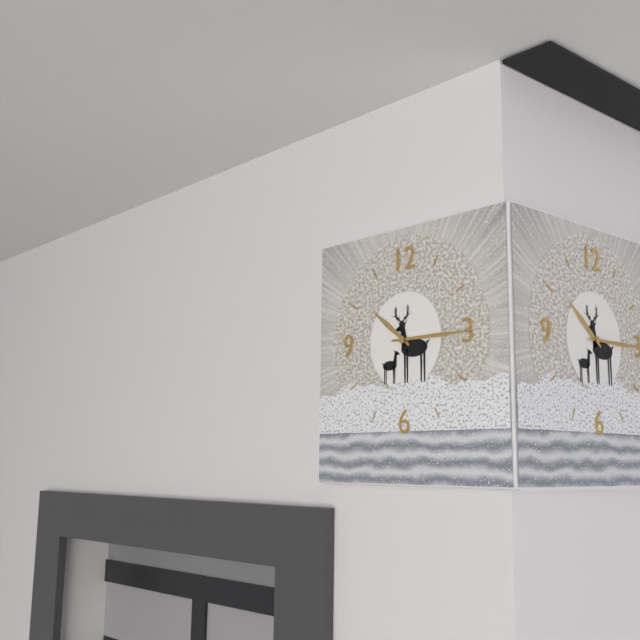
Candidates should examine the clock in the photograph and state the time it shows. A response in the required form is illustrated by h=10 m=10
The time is h=10 m=15
